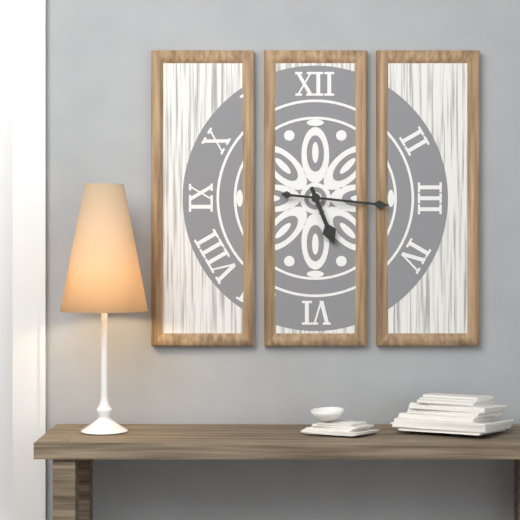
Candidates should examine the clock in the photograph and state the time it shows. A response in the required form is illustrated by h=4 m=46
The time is h=5 m=16
